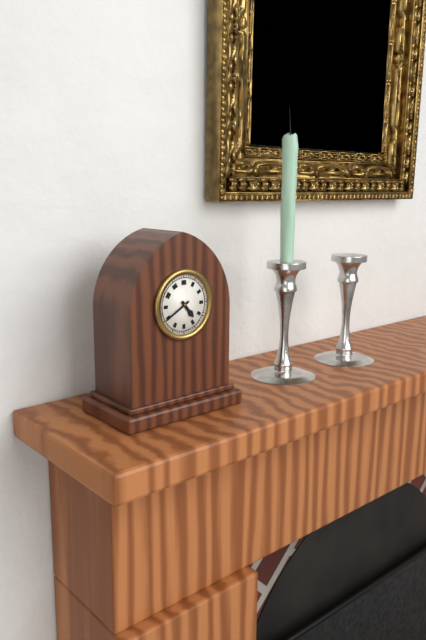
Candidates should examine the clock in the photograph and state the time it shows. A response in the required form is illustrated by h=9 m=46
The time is h=4 m=40
